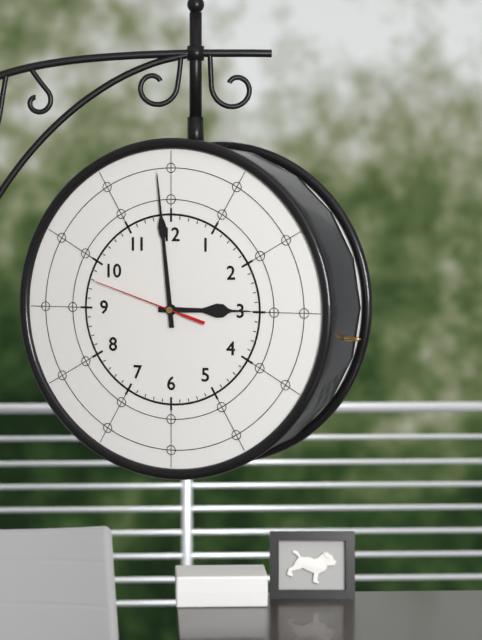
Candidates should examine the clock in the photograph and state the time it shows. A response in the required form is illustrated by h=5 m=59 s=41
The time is h=2 m=59 s=48
